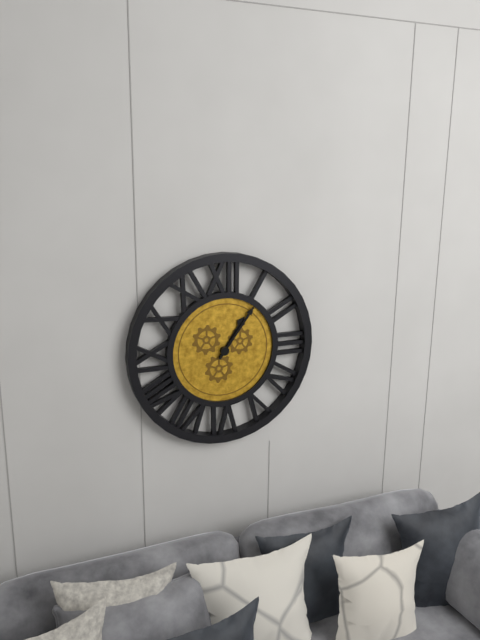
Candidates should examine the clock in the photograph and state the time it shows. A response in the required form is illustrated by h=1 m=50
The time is h=1 m=6
